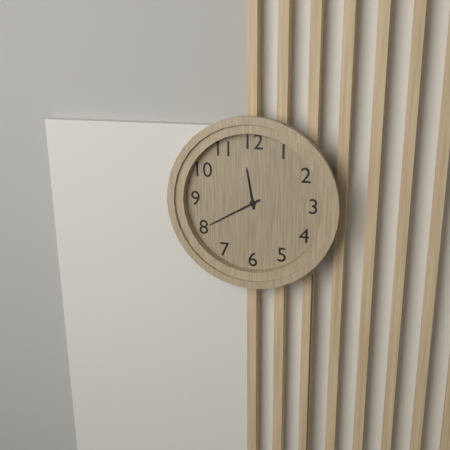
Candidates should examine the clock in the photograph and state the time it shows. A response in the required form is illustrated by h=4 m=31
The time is h=11 m=40
